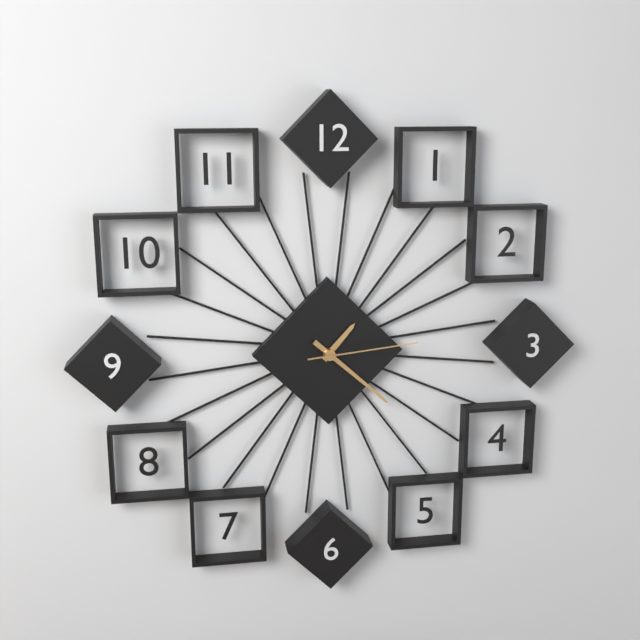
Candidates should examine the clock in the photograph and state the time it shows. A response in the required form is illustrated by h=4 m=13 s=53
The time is h=1 m=22 s=14
